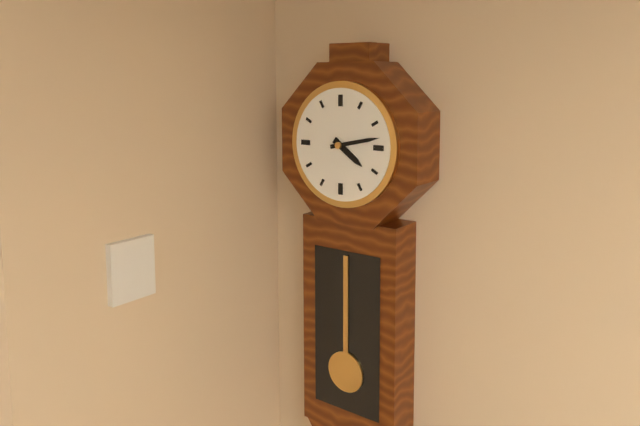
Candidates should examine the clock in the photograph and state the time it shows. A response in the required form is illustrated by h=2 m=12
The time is h=4 m=13
